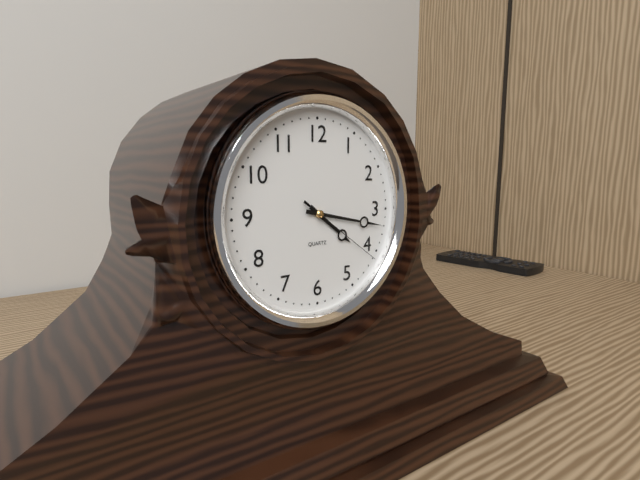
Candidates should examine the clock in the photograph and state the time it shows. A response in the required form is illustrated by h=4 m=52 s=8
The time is h=4 m=17 s=21
